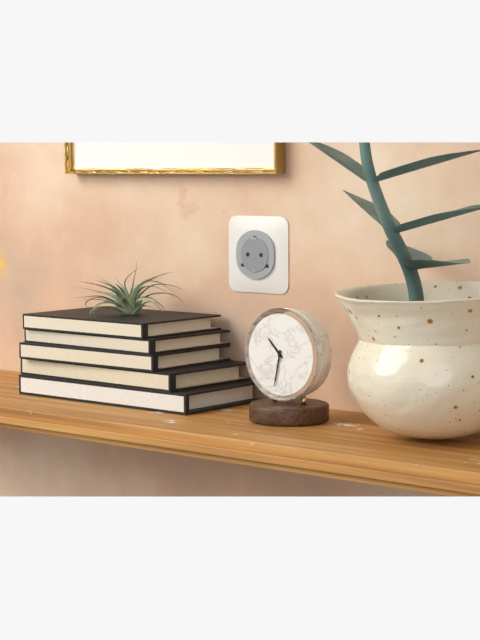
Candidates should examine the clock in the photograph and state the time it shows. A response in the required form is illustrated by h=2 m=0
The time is h=10 m=32
